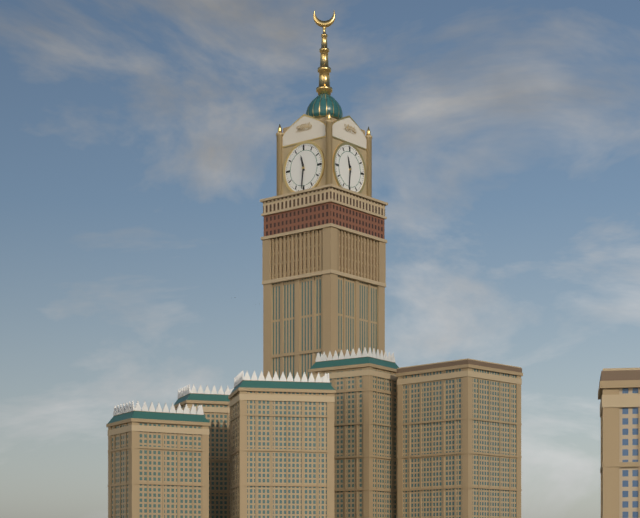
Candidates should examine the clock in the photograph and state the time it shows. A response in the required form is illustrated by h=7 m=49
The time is h=11 m=31
